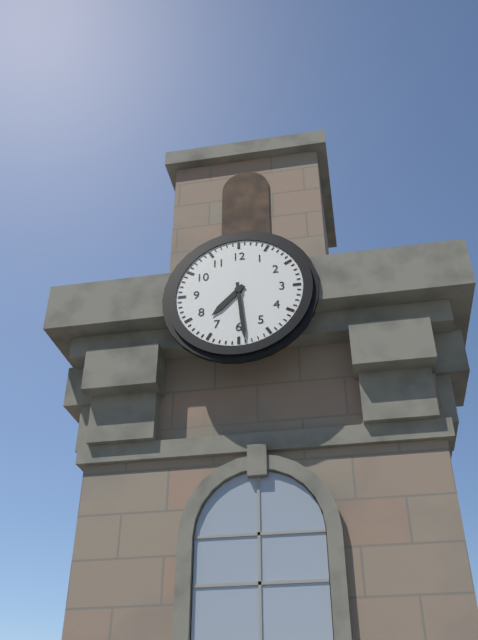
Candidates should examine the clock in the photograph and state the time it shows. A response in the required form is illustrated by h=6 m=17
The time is h=7 m=29
